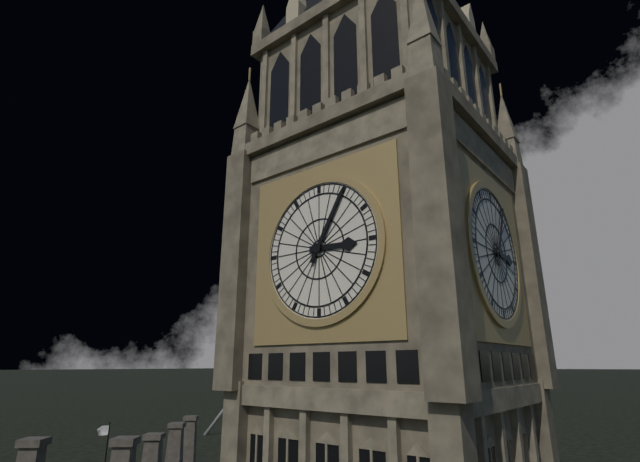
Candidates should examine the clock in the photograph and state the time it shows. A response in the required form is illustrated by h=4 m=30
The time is h=3 m=5
